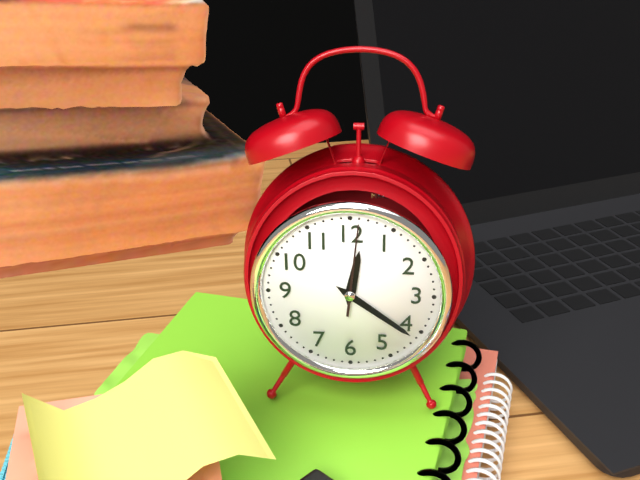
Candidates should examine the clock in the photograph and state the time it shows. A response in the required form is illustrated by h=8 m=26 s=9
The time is h=12 m=21 s=1
